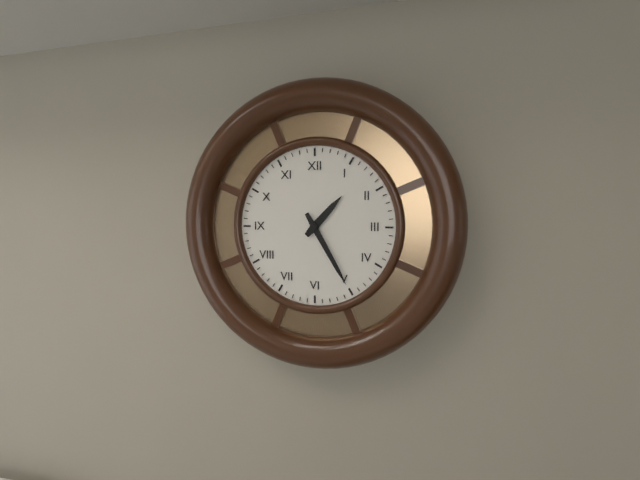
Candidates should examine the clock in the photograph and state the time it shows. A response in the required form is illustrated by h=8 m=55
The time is h=1 m=25
